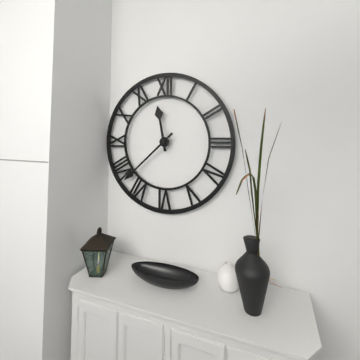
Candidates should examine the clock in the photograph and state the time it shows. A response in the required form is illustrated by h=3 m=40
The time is h=11 m=38
